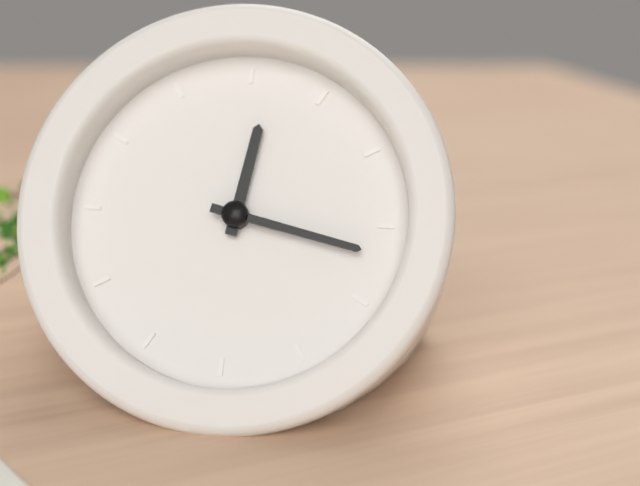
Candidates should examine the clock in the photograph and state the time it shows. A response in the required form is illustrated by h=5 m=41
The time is h=12 m=17
